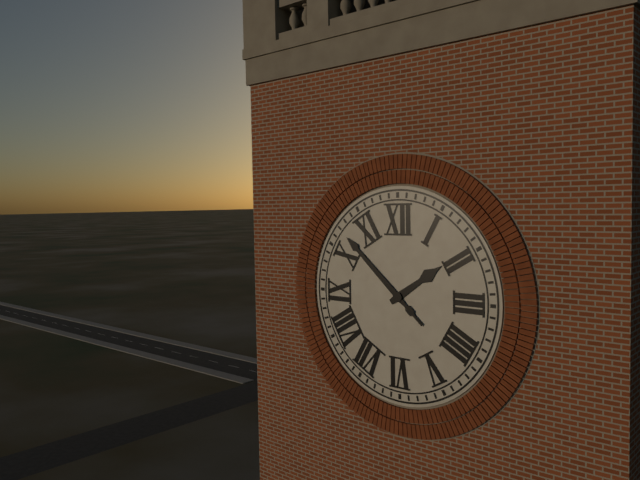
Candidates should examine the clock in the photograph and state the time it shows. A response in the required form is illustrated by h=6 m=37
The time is h=1 m=52
